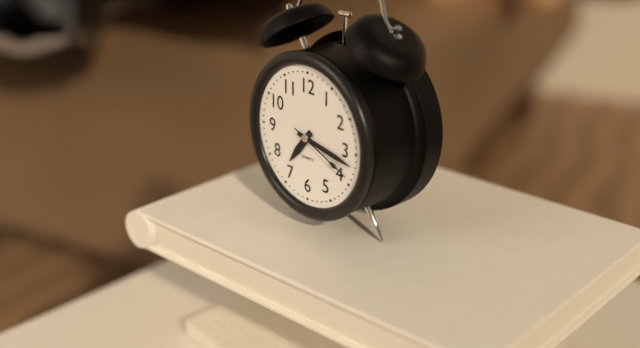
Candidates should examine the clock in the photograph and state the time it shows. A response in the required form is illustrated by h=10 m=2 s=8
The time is h=7 m=17 s=19
